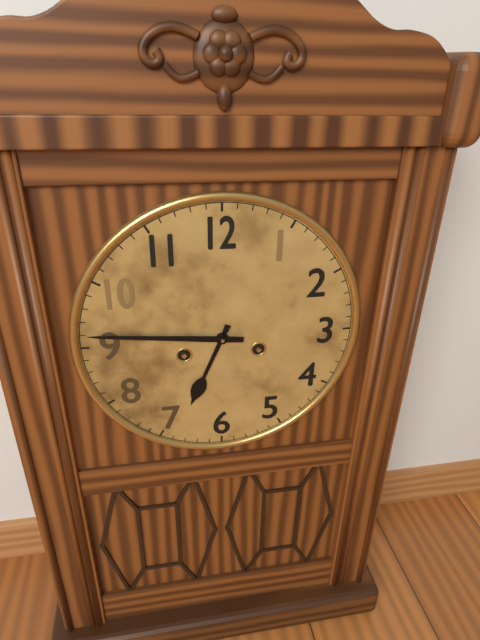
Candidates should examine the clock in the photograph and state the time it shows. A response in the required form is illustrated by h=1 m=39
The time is h=6 m=46
